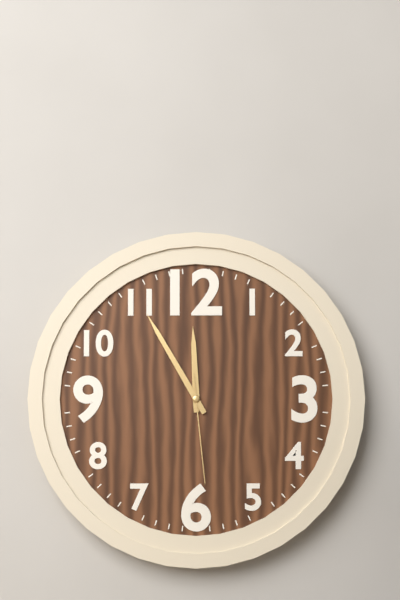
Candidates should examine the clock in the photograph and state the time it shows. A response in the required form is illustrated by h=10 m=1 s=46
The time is h=11 m=55 s=29
